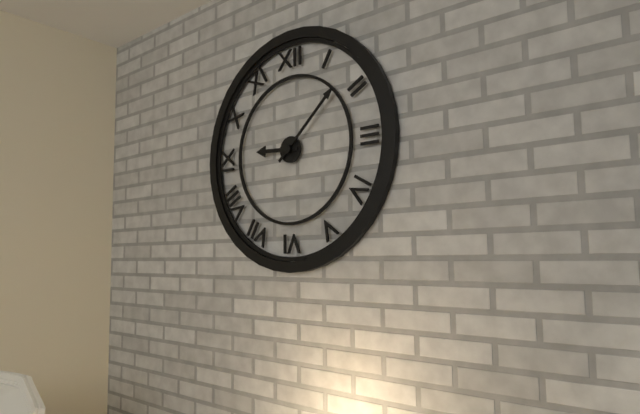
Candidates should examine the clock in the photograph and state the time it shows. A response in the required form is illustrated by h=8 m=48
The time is h=9 m=8
